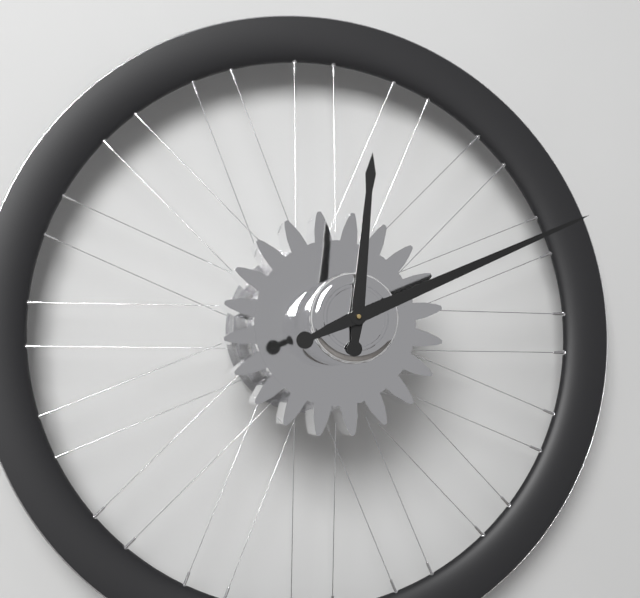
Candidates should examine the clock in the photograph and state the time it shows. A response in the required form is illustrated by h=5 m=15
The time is h=12 m=11
